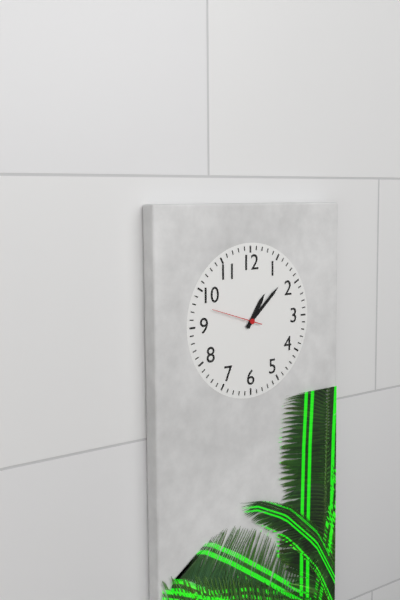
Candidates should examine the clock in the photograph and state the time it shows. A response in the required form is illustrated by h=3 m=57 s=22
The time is h=1 m=8 s=48
